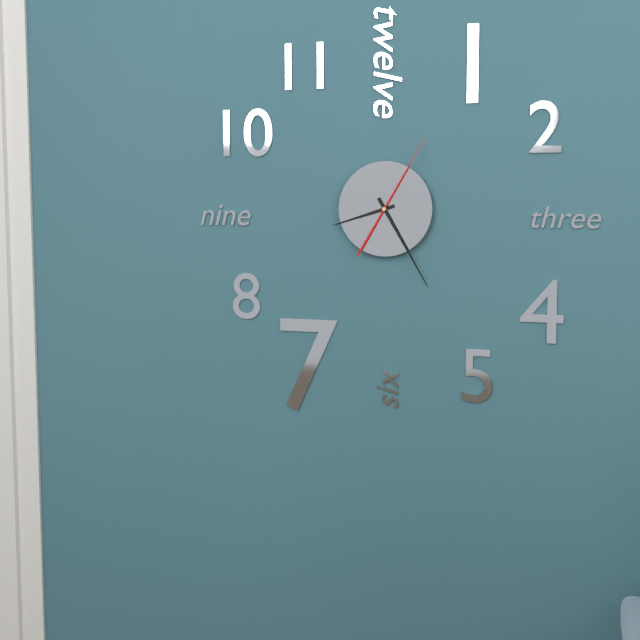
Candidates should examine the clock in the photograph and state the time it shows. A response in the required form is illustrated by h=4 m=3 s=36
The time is h=8 m=25 s=5
